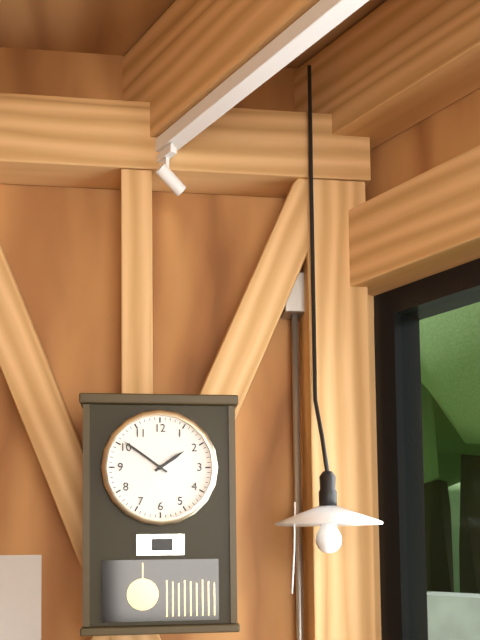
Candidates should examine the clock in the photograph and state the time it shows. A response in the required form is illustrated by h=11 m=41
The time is h=1 m=51
